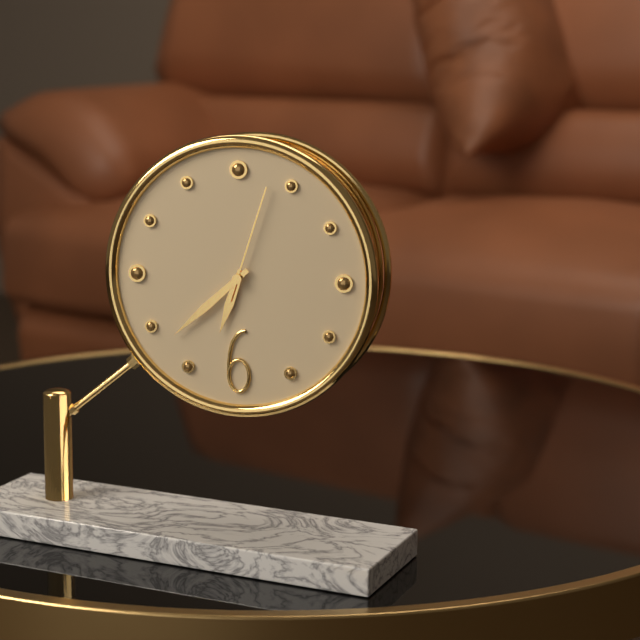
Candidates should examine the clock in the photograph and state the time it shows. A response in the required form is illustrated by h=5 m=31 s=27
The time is h=6 m=38 s=3
